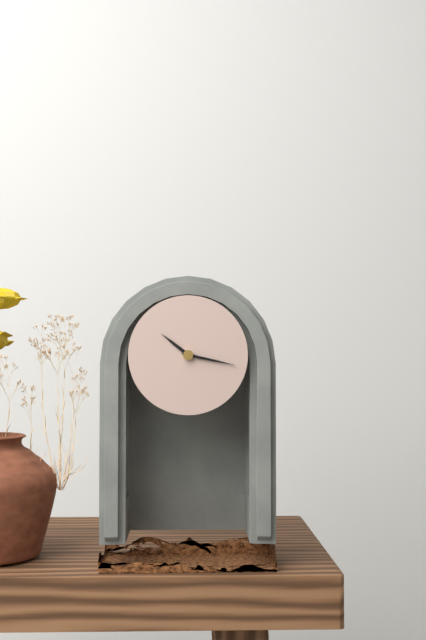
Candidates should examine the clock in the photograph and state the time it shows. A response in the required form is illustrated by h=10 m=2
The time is h=10 m=17
